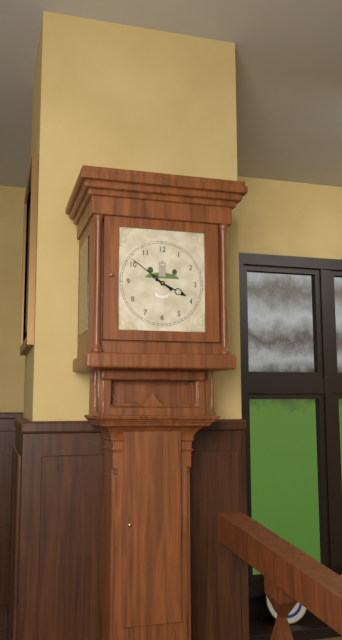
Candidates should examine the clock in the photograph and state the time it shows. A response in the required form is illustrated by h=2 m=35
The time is h=3 m=51
